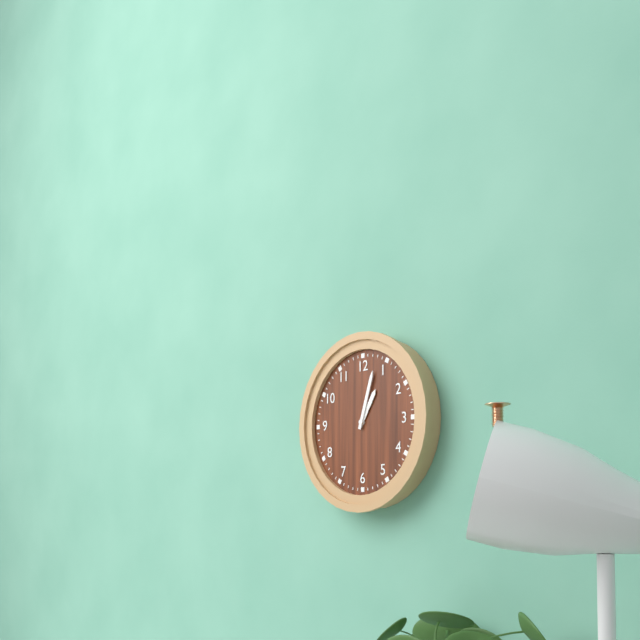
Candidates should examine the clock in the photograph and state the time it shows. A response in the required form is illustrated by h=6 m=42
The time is h=1 m=3
